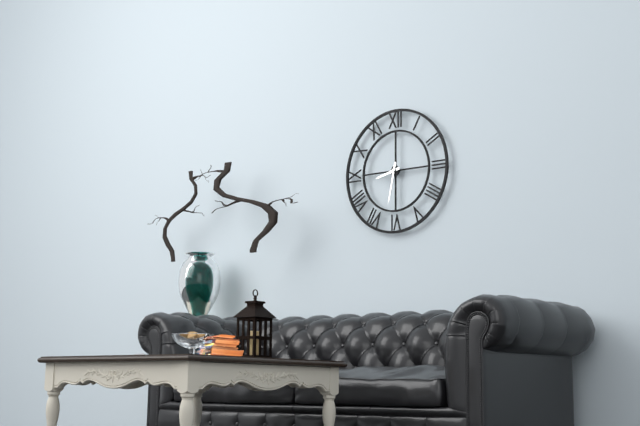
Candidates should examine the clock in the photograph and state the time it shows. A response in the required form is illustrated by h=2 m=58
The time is h=8 m=32
